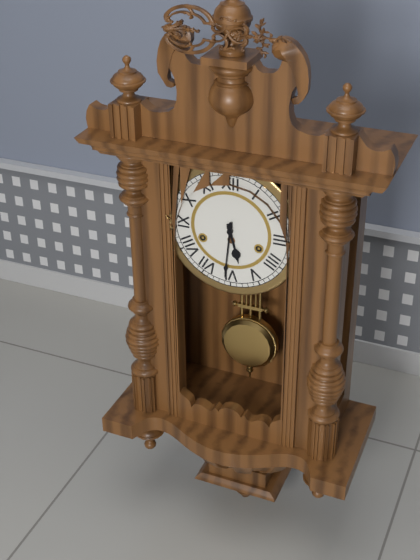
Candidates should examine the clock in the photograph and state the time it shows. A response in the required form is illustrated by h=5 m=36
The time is h=5 m=31
